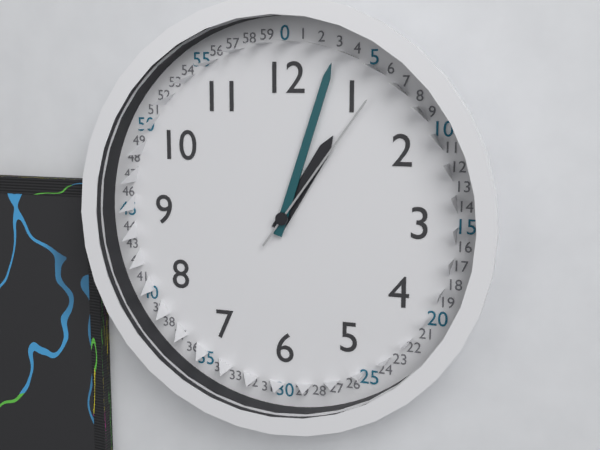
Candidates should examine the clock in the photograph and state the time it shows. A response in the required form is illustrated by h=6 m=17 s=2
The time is h=1 m=3 s=6
